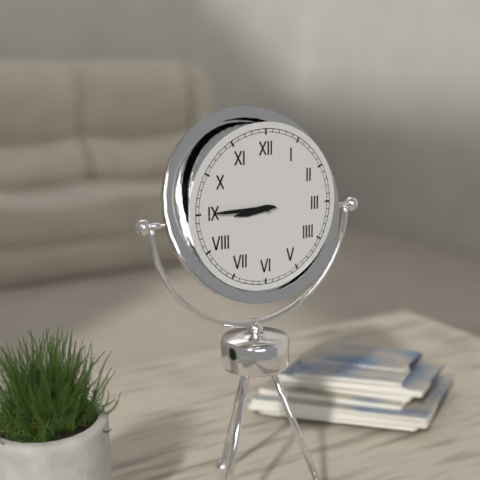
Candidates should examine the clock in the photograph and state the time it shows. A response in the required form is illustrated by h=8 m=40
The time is h=8 m=45
